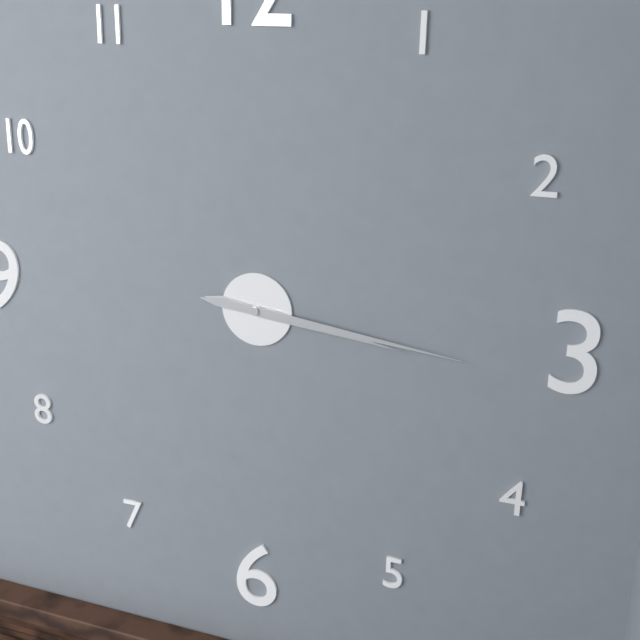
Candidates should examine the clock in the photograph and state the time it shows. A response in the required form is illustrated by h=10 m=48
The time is h=3 m=16
